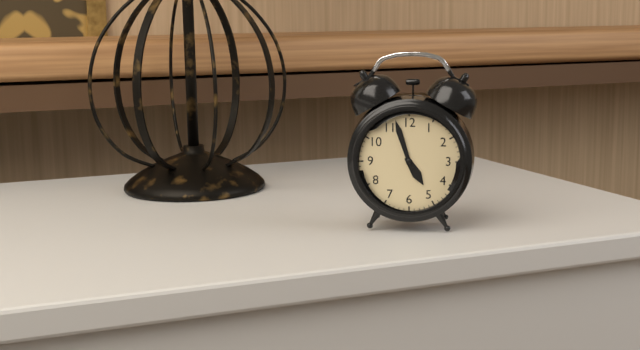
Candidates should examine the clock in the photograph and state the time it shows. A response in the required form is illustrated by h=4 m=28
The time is h=4 m=57
